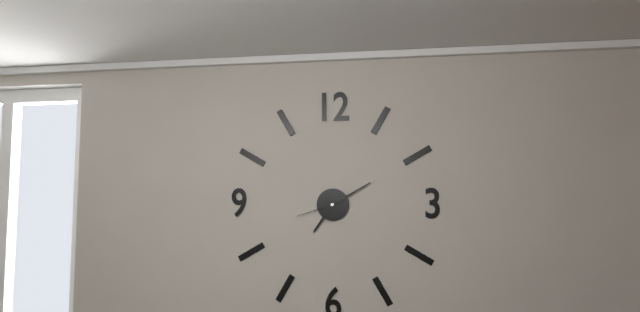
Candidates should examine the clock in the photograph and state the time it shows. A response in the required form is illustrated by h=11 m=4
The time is h=7 m=10
